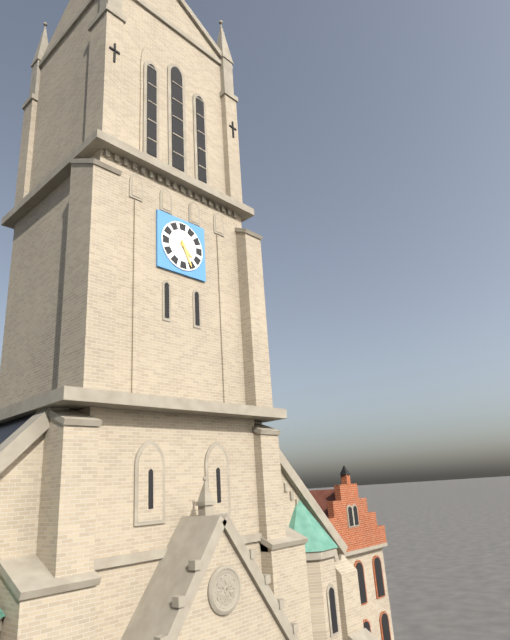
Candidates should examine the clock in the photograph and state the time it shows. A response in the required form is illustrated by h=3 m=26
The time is h=4 m=26
